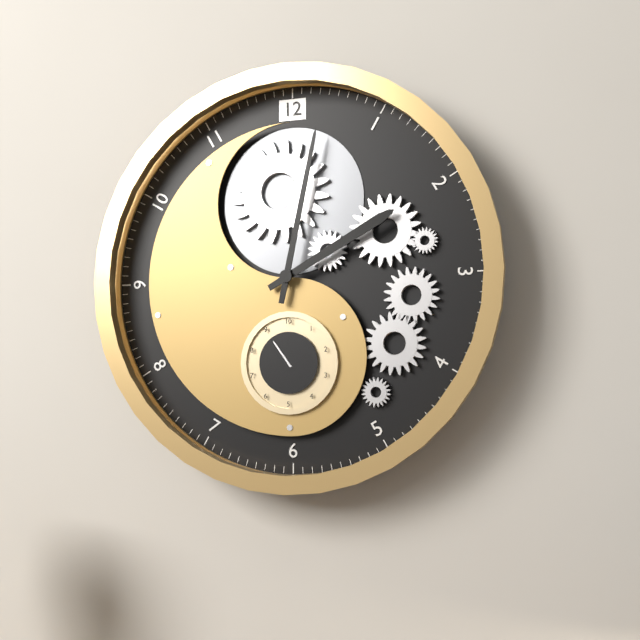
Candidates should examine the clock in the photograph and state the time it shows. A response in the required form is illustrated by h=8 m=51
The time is h=2 m=2
